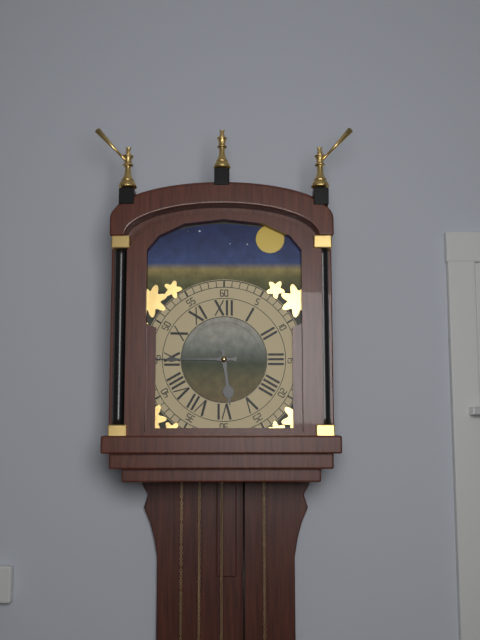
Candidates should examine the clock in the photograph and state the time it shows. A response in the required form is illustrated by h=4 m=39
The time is h=5 m=45
